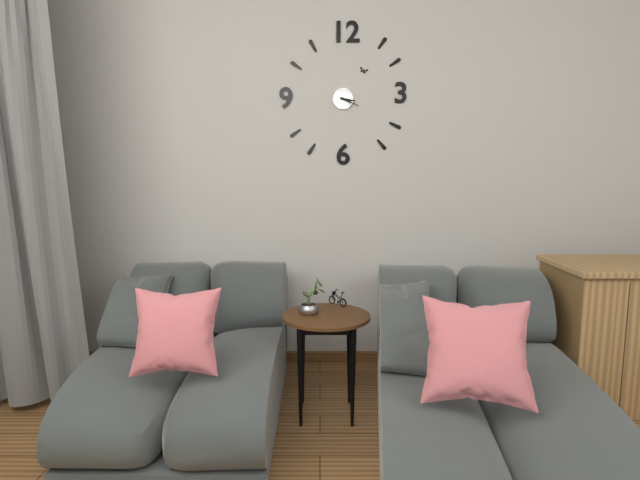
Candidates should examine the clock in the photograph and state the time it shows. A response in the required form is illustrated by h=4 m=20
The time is h=3 m=19
